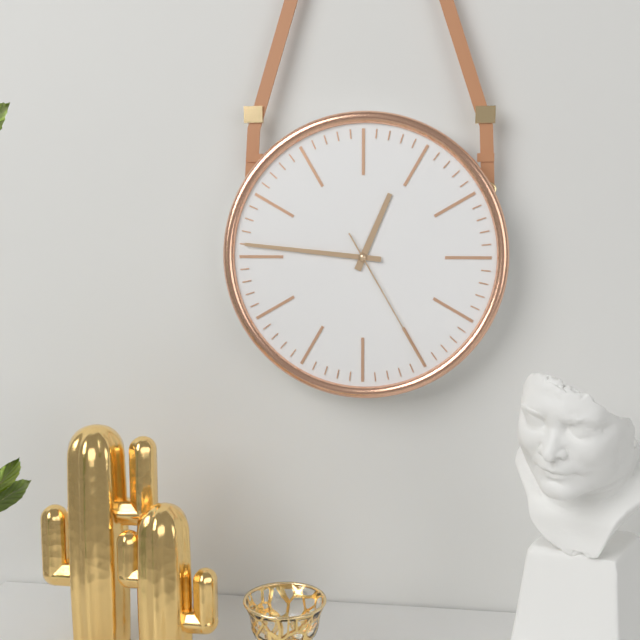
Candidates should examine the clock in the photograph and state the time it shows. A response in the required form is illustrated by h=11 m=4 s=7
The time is h=12 m=46 s=25
